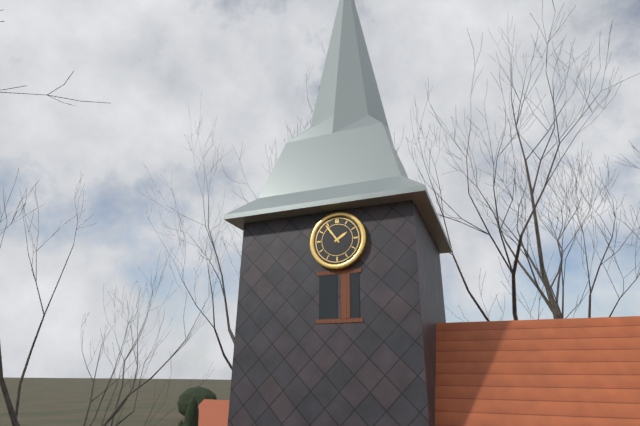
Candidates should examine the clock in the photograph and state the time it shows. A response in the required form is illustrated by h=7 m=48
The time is h=1 m=54
